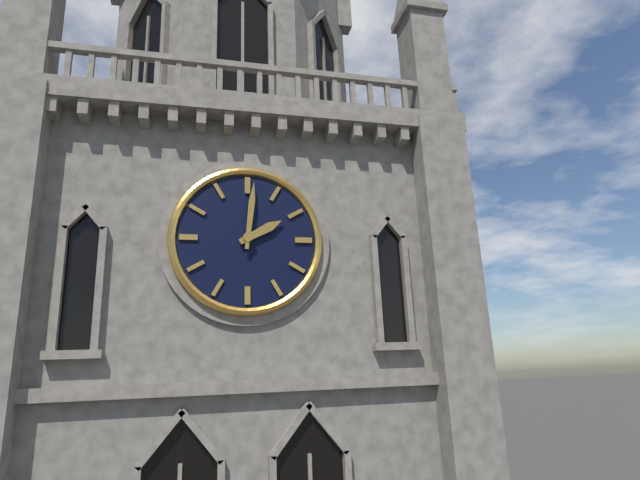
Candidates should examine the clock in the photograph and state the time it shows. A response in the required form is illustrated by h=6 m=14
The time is h=2 m=1
